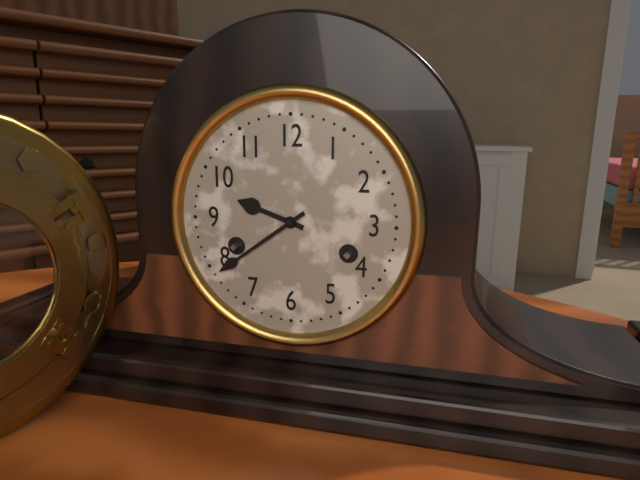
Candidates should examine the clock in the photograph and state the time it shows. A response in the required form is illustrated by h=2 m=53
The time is h=9 m=39
